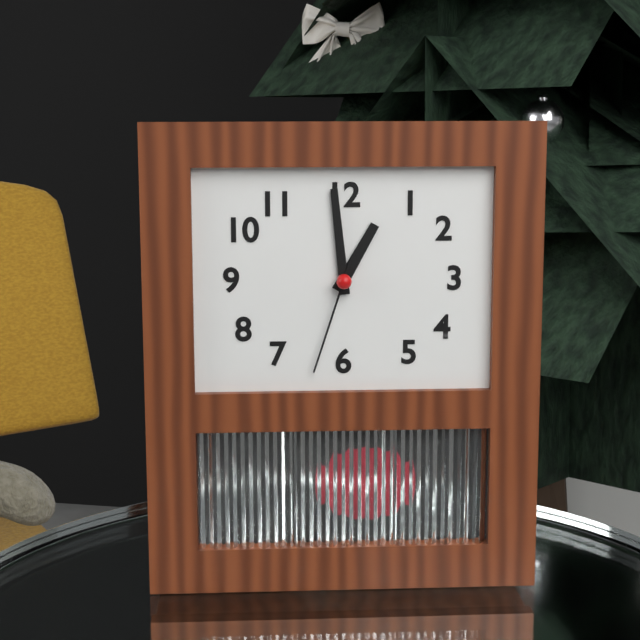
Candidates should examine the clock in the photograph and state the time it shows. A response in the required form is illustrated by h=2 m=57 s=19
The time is h=12 m=59 s=33
